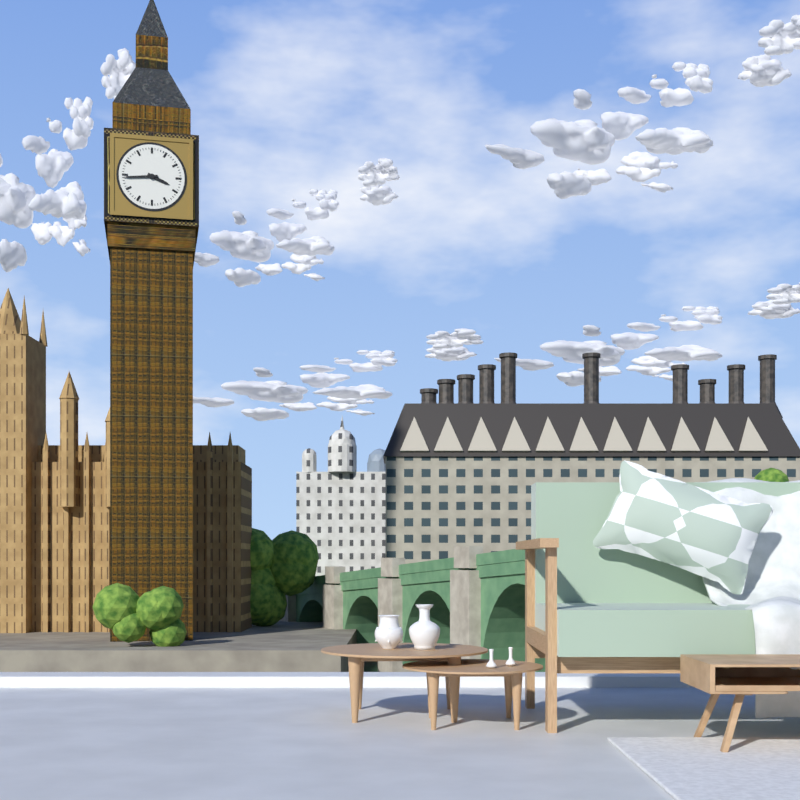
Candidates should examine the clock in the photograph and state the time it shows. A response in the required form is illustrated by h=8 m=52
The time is h=3 m=44
